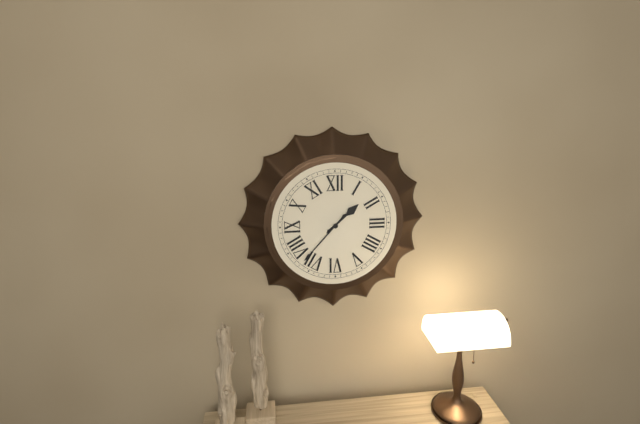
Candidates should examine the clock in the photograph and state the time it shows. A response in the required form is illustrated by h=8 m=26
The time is h=1 m=37
